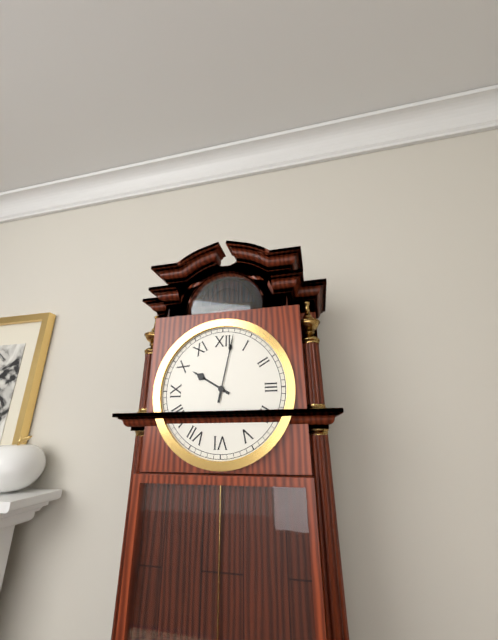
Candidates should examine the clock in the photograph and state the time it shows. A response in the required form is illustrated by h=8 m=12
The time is h=10 m=2
